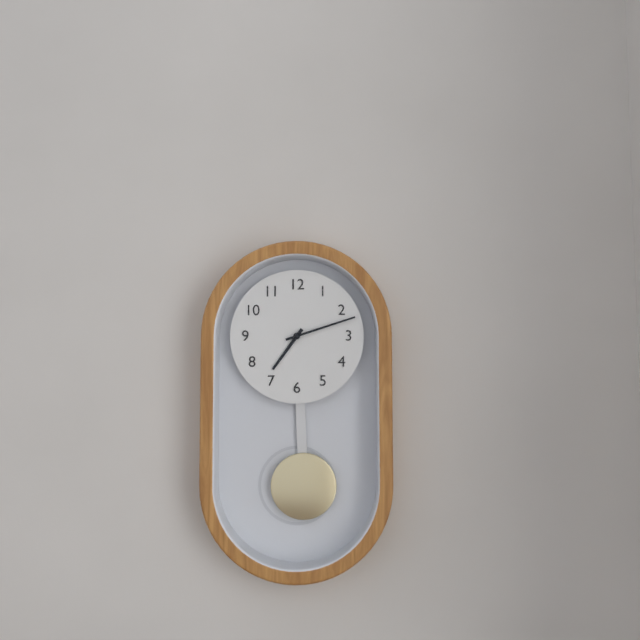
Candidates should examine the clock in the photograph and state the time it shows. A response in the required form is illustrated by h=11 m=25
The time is h=7 m=12
